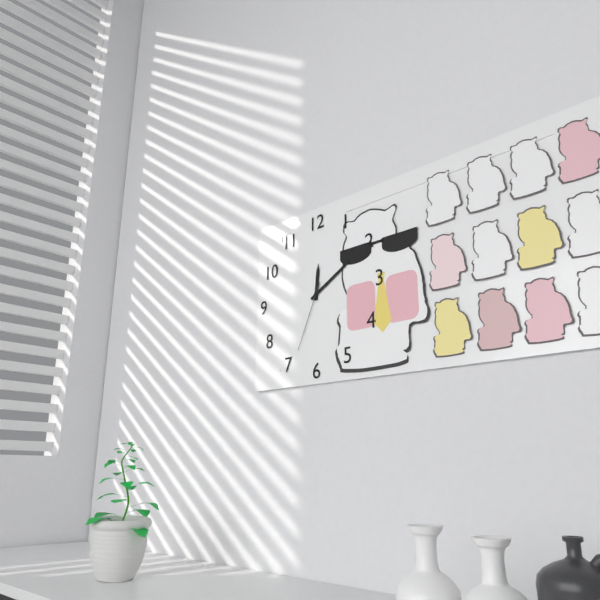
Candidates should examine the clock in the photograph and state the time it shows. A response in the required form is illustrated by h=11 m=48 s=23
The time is h=12 m=10 s=34
